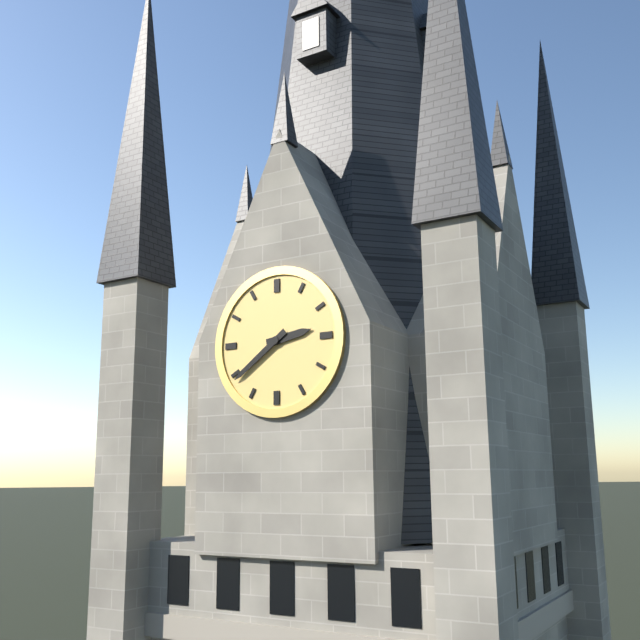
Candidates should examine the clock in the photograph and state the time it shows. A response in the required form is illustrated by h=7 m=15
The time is h=2 m=39
